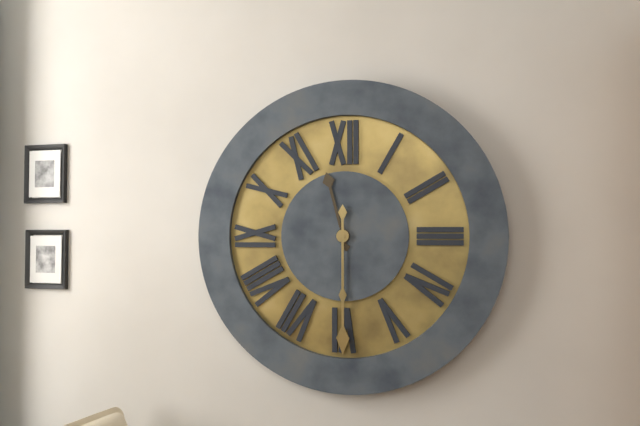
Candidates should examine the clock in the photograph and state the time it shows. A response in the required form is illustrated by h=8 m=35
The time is h=11 m=30
